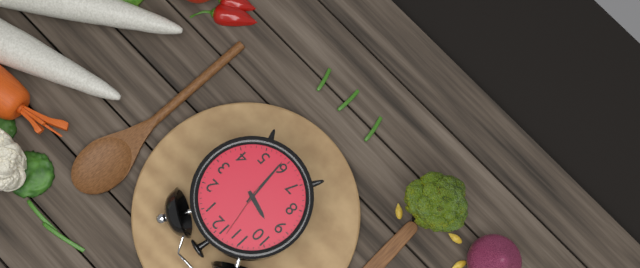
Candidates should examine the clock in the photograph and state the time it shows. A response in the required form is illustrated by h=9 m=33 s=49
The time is h=9 m=29 s=58
